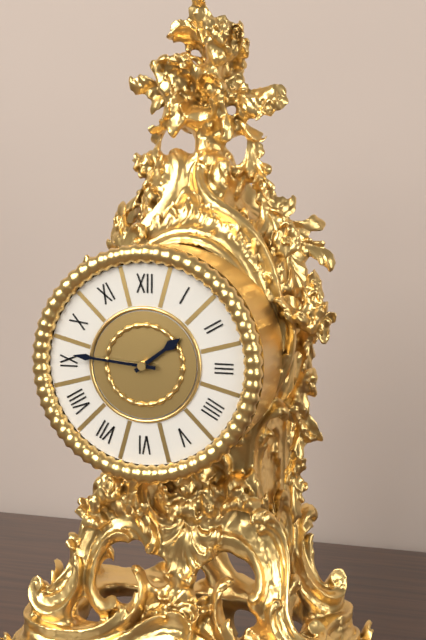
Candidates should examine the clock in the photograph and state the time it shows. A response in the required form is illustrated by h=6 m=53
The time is h=1 m=46
